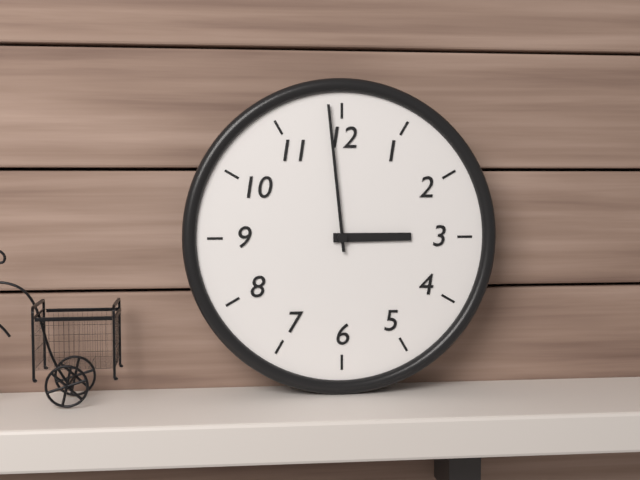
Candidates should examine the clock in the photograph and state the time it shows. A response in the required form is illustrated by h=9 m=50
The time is h=2 m=59
